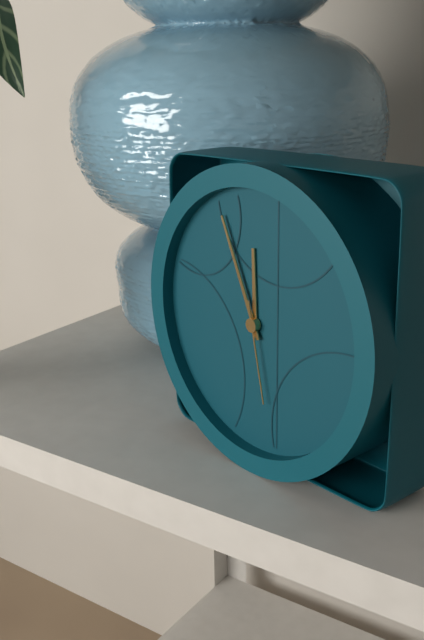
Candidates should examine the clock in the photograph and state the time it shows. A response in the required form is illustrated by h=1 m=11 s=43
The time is h=11 m=56 s=28
